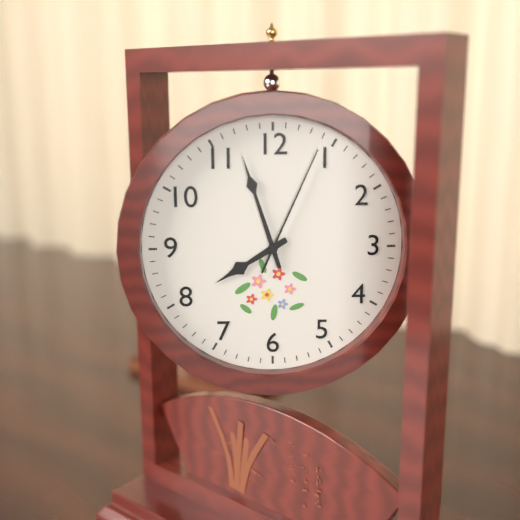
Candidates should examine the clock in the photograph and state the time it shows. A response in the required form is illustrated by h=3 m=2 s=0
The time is h=7 m=57 s=4
